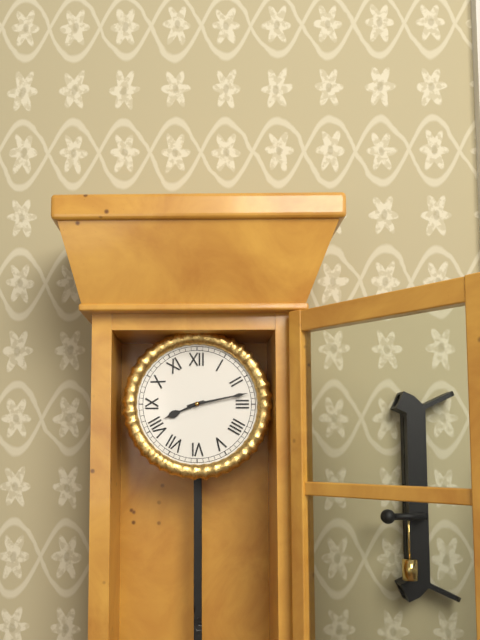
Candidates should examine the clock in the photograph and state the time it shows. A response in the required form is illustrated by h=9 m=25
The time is h=8 m=13
